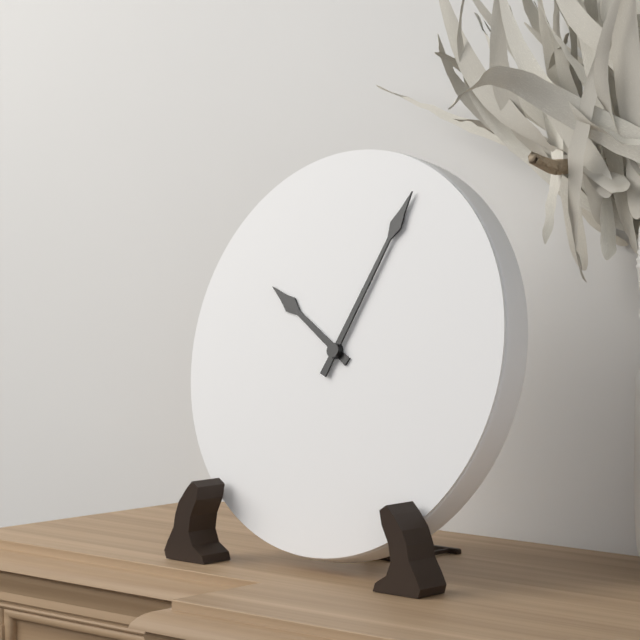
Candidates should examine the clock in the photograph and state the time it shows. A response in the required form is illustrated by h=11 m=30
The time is h=10 m=4
